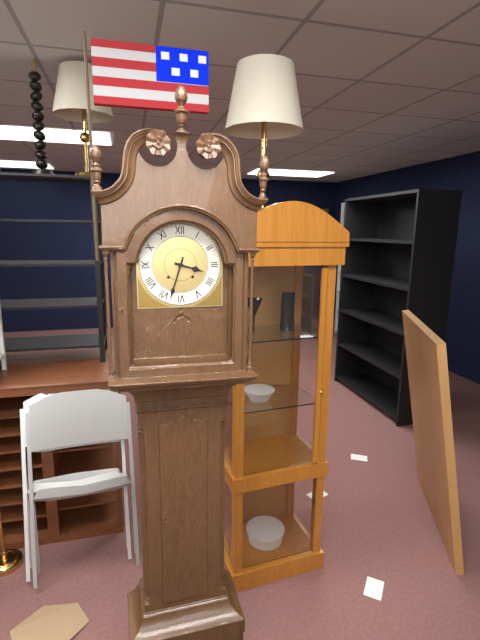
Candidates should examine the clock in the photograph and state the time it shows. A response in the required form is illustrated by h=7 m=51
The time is h=3 m=33
